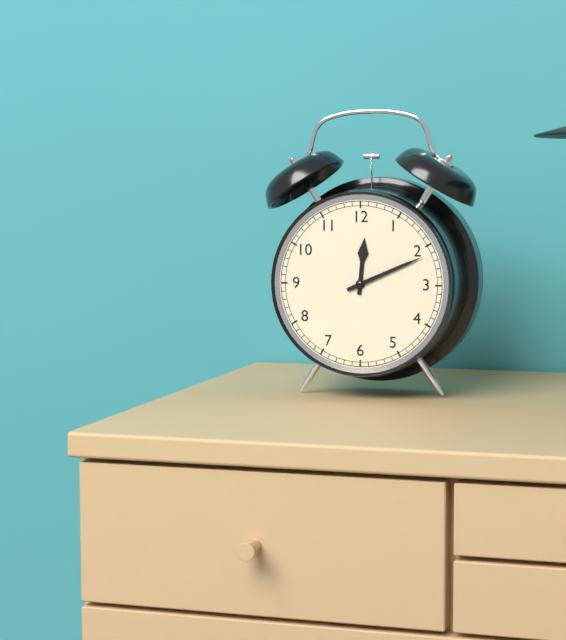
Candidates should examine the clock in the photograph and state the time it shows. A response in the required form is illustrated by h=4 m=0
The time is h=12 m=11
